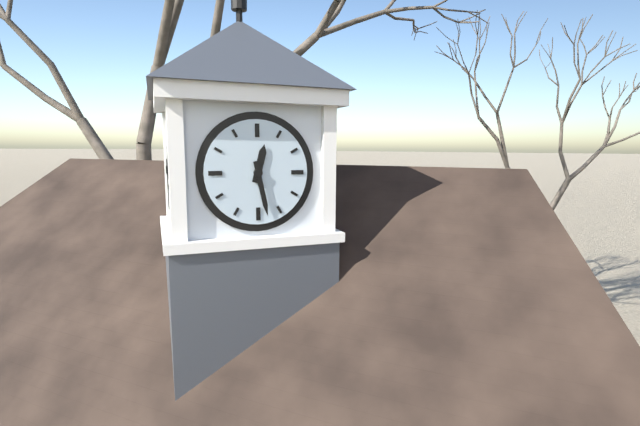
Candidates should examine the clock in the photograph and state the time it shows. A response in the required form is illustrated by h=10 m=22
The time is h=12 m=28
